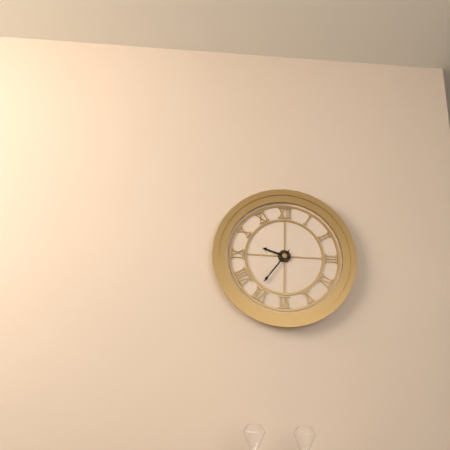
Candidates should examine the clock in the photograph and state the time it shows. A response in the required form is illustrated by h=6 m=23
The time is h=9 m=36
